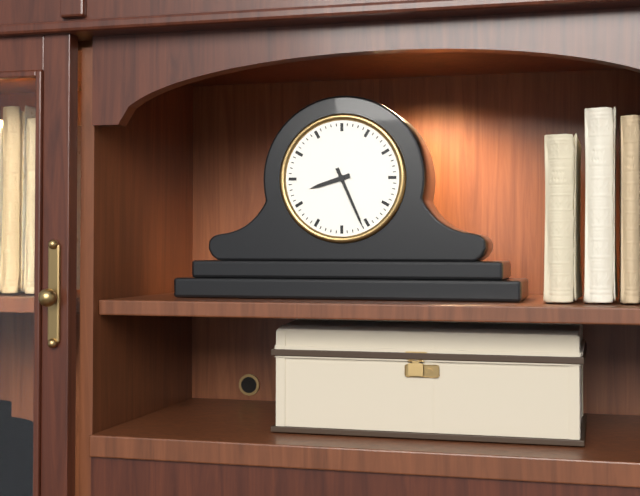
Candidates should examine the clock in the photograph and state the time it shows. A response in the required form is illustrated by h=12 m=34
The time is h=8 m=26
